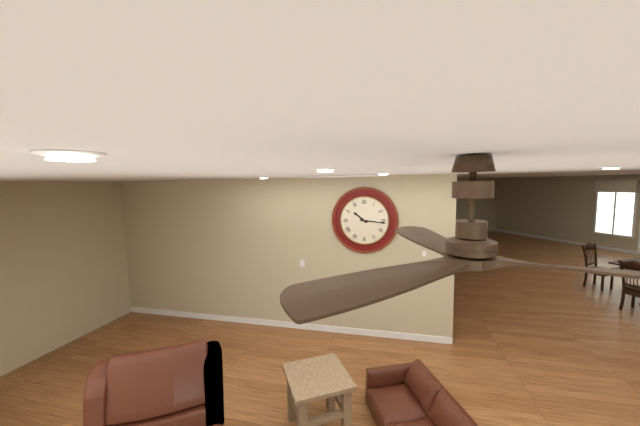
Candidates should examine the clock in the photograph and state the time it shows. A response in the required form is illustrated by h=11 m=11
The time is h=10 m=16
